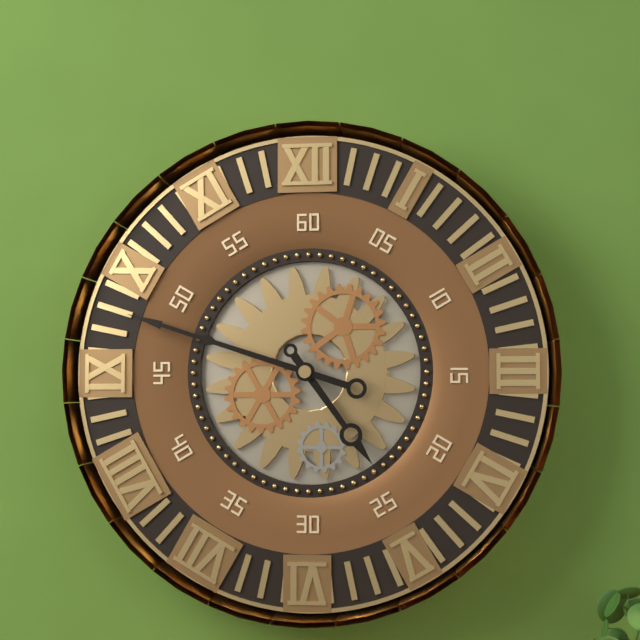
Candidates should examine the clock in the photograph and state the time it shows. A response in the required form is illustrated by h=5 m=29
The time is h=4 m=48
